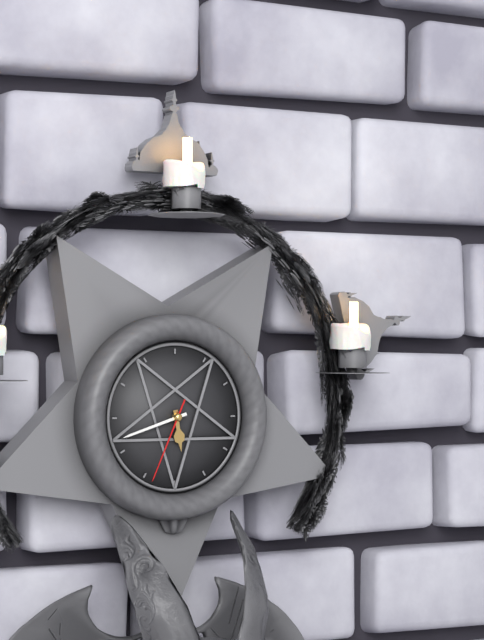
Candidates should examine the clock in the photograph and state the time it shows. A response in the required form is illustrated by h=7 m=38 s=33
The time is h=5 m=42 s=34
